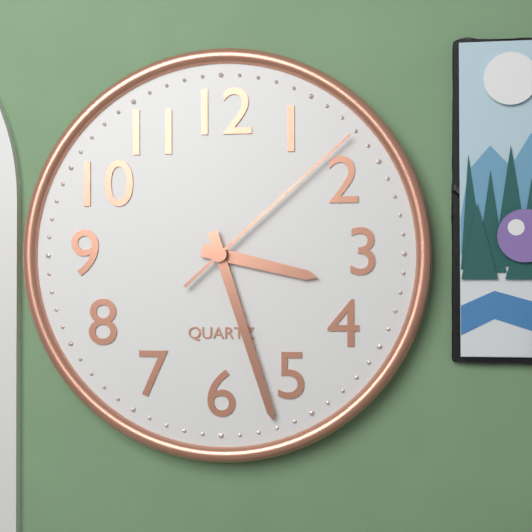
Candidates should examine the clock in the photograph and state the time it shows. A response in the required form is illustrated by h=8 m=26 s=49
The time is h=3 m=27 s=8
